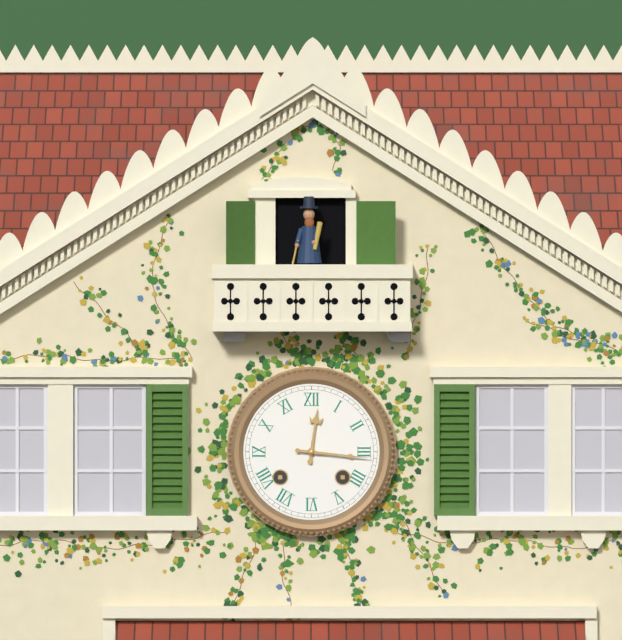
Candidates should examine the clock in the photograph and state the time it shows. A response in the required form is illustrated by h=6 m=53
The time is h=12 m=16
